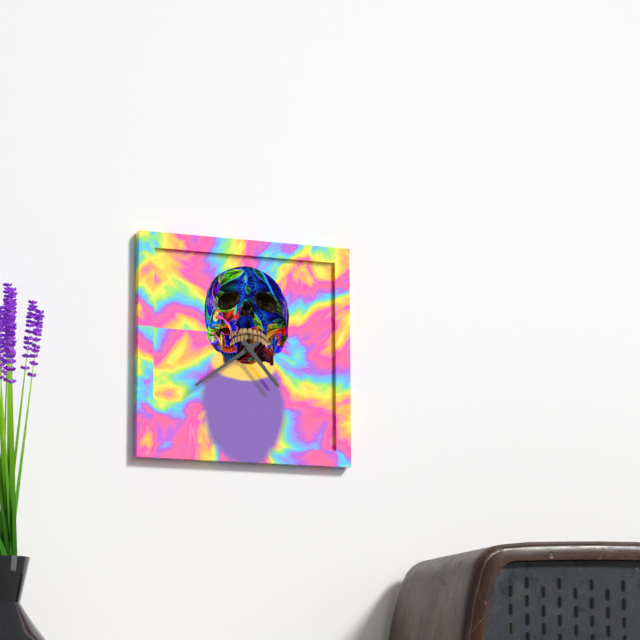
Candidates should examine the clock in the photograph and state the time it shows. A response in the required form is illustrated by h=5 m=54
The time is h=4 m=39
